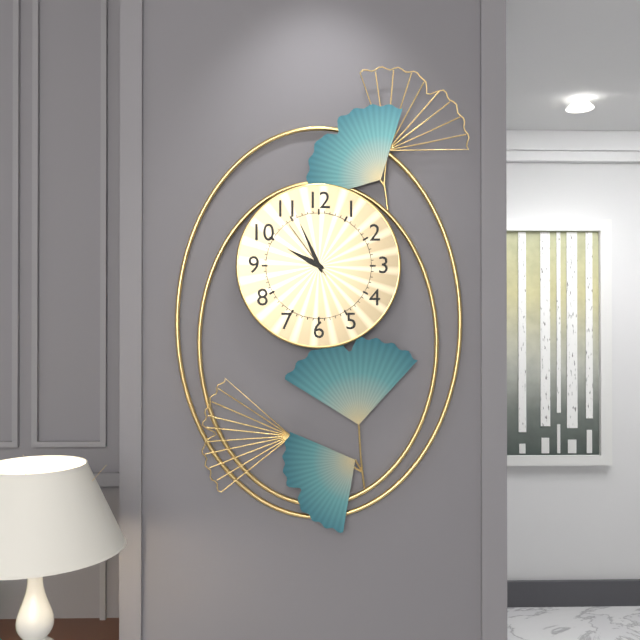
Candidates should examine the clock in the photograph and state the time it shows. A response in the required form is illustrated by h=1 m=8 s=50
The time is h=9 m=56 s=54
